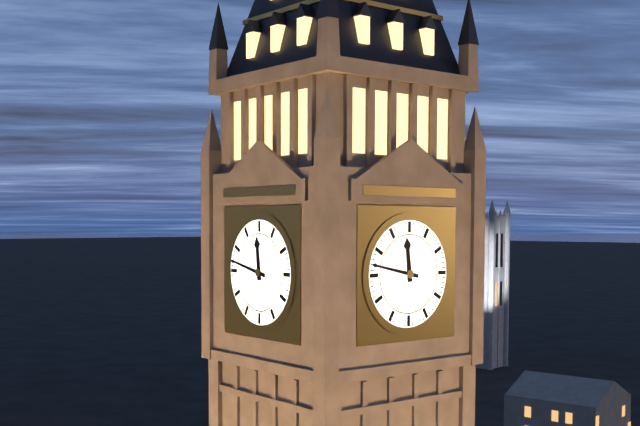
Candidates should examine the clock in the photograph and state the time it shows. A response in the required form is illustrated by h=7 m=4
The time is h=11 m=47
